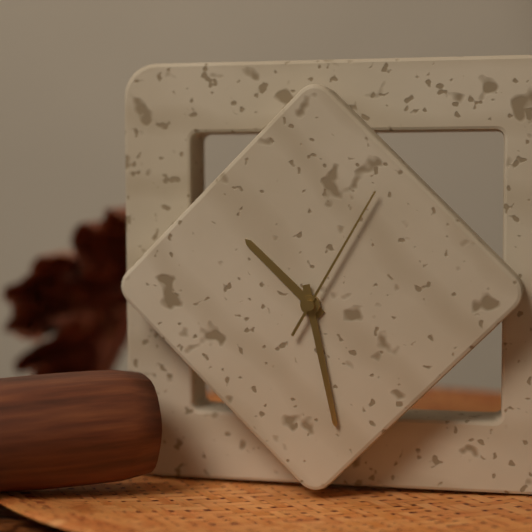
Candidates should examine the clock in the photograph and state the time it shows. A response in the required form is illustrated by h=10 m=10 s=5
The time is h=10 m=28 s=5
